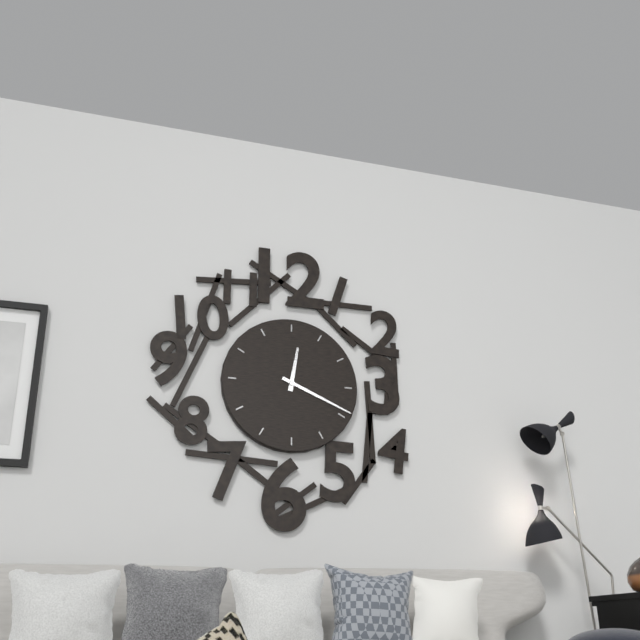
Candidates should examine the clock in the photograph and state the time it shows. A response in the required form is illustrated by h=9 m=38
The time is h=12 m=19
